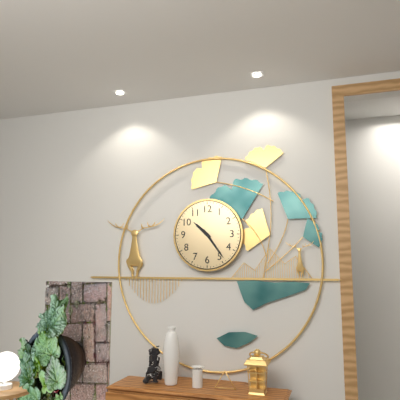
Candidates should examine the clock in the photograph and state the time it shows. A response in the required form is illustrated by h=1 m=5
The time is h=10 m=24
